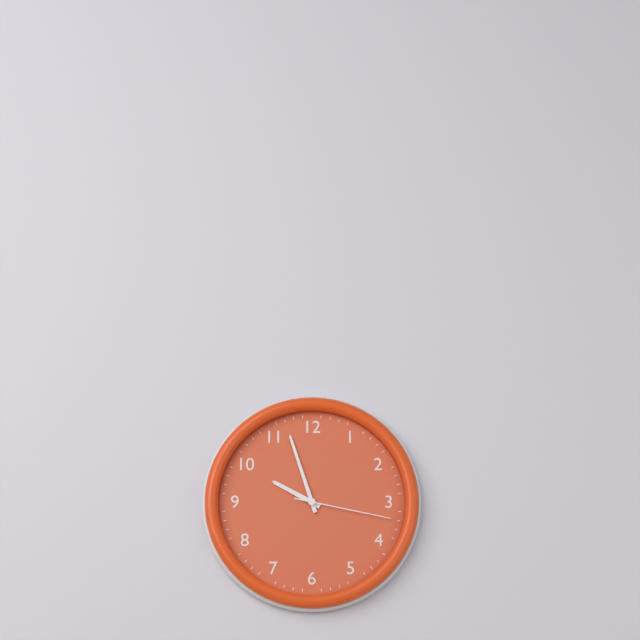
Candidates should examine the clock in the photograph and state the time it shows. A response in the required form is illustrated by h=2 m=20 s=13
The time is h=9 m=57 s=17
